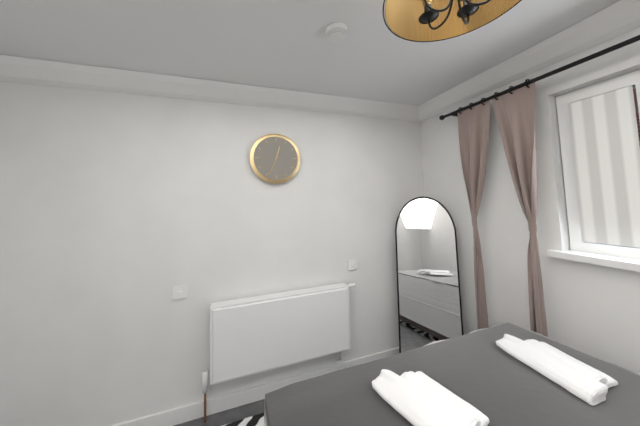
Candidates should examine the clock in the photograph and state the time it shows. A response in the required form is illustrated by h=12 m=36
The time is h=12 m=34
